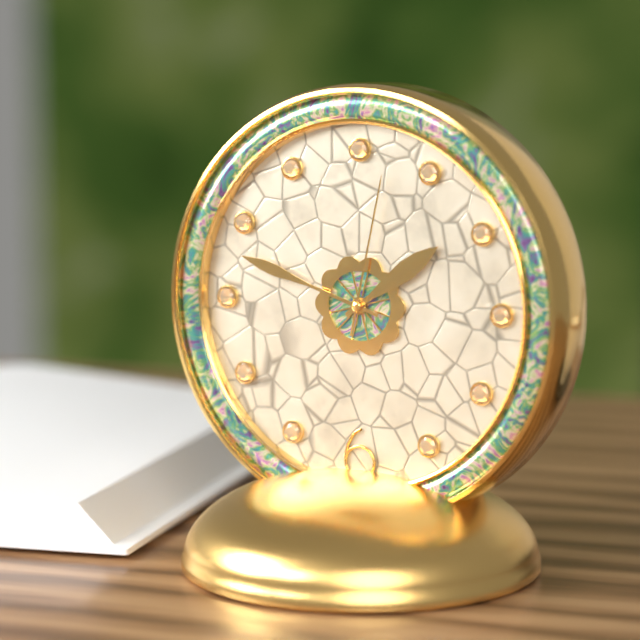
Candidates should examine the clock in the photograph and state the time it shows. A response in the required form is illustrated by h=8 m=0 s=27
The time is h=1 m=48 s=2
